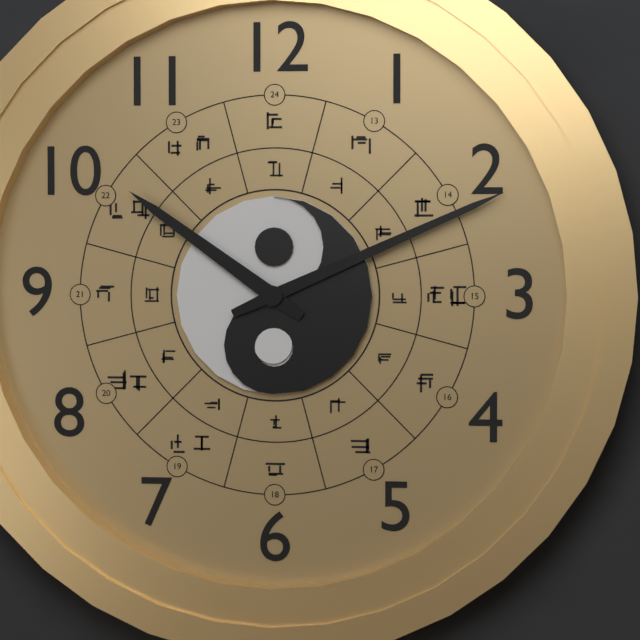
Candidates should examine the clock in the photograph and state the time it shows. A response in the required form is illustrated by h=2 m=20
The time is h=10 m=11
